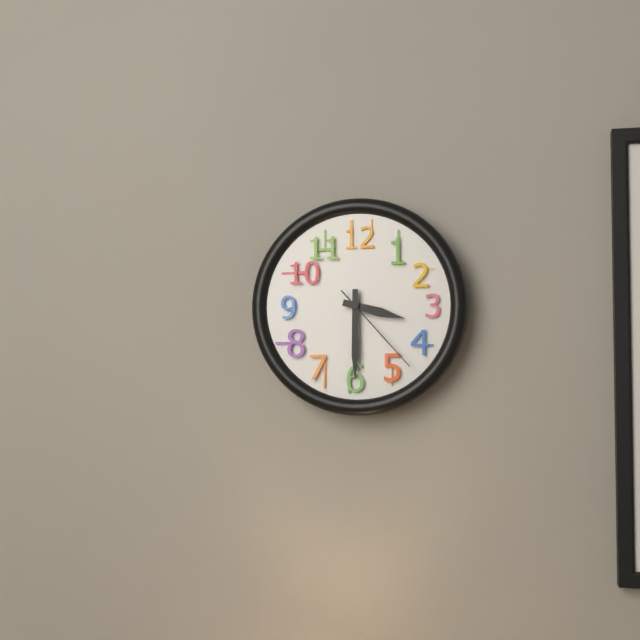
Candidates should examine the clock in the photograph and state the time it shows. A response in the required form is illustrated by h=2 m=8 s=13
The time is h=3 m=30 s=23
